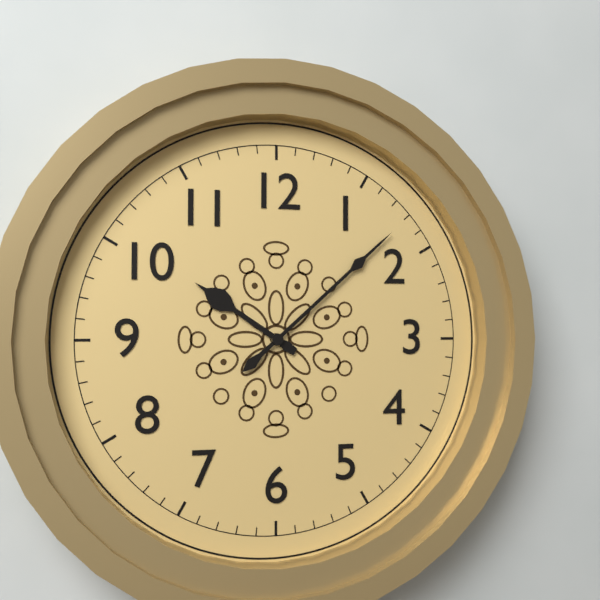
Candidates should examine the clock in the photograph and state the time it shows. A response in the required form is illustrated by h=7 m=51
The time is h=10 m=8
